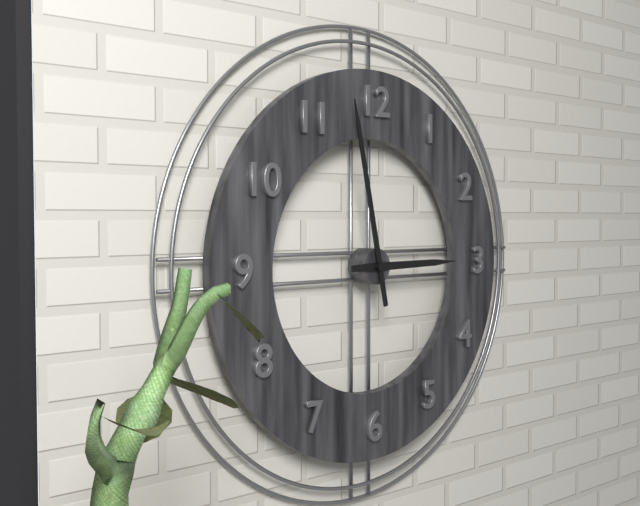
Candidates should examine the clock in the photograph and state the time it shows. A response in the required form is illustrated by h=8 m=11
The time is h=2 m=58
